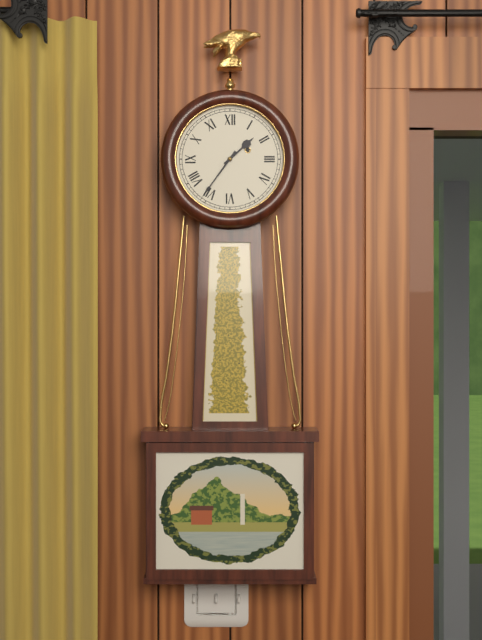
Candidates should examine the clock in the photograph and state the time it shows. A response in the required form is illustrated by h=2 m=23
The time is h=1 m=36
